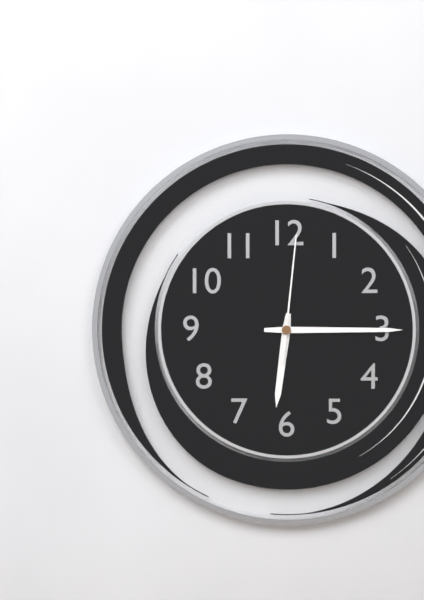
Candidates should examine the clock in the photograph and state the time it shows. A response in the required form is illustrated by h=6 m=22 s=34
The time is h=6 m=15 s=1
